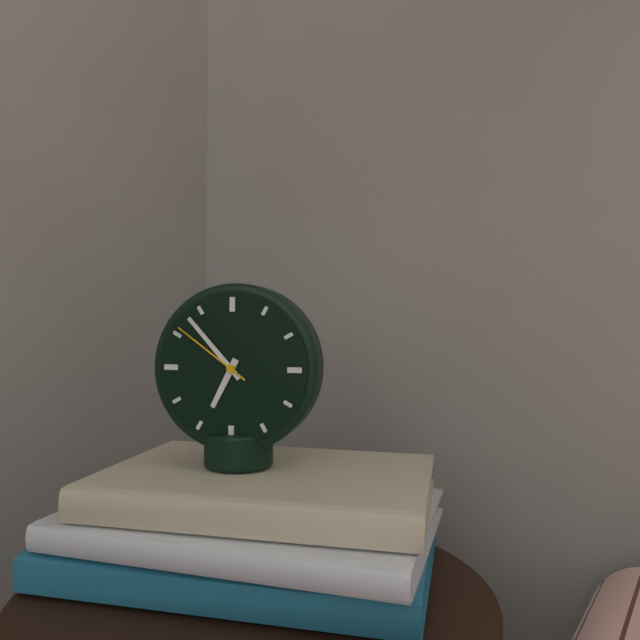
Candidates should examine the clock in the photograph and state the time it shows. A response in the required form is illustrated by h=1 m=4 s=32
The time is h=6 m=53 s=51
